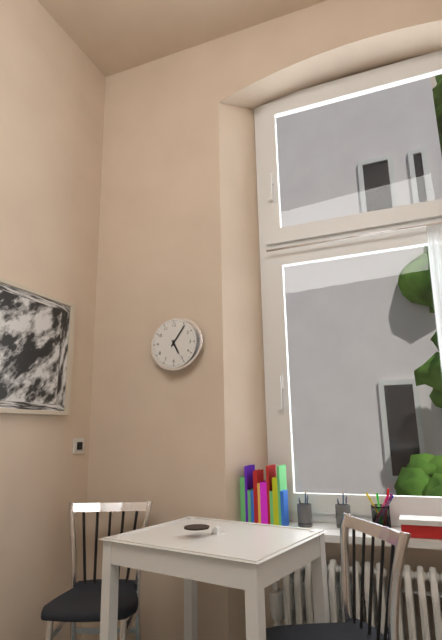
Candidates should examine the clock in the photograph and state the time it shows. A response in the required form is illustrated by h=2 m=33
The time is h=5 m=6
